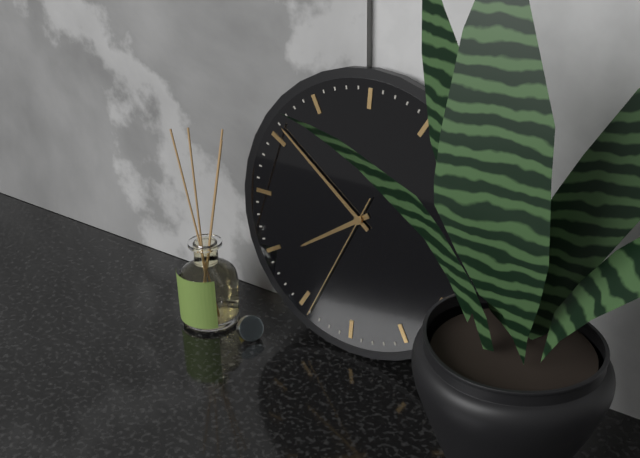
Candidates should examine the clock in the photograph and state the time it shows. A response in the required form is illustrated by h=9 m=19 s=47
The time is h=7 m=51 s=34
